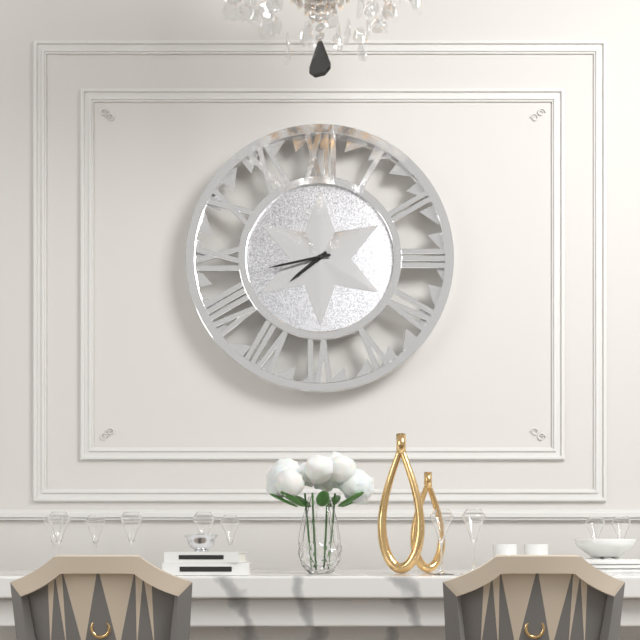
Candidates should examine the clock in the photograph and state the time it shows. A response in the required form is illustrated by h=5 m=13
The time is h=7 m=43
